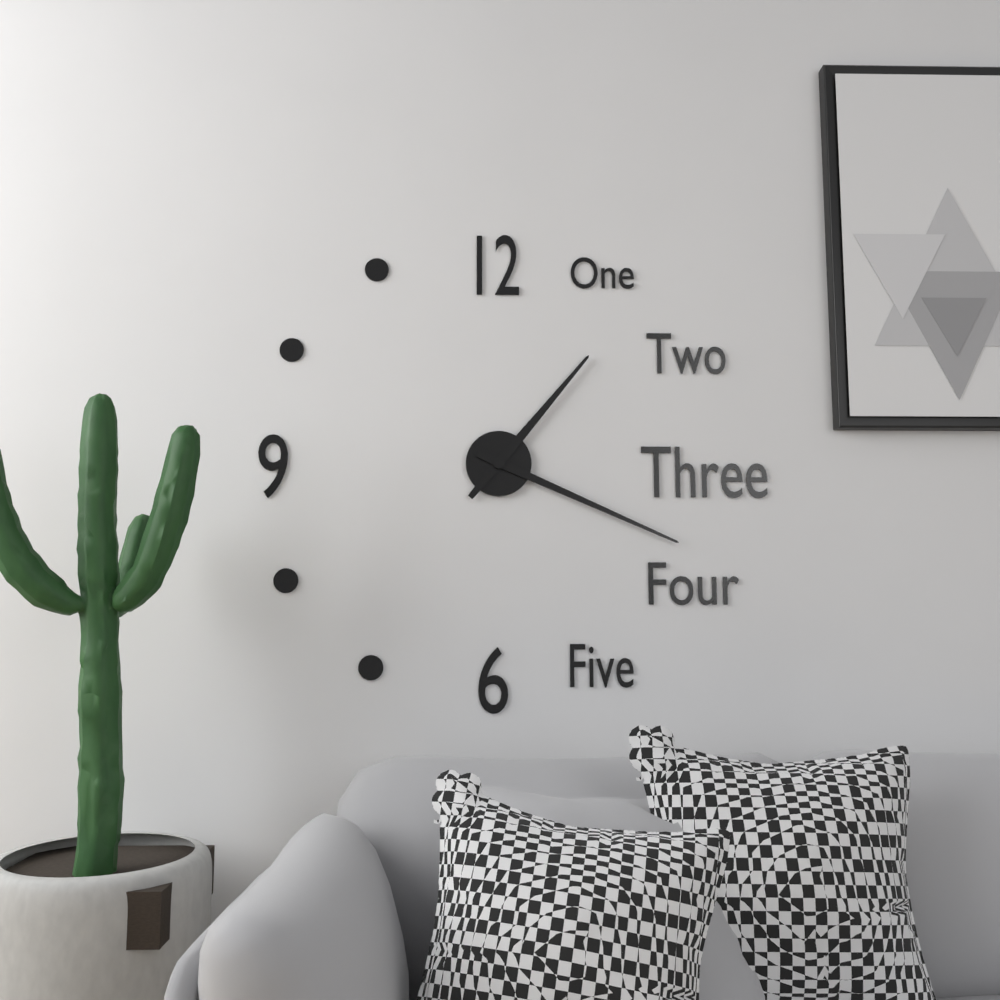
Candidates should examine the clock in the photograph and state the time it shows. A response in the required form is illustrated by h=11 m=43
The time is h=1 m=19
